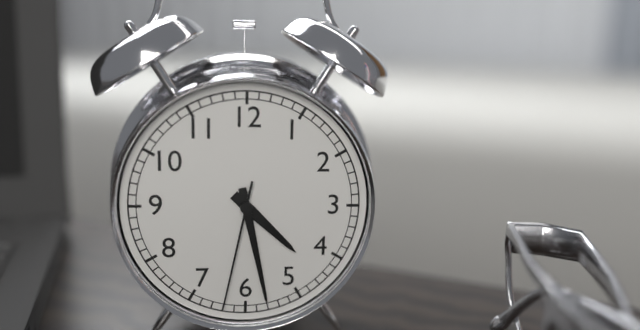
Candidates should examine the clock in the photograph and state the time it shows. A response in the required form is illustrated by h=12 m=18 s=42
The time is h=4 m=28 s=32
